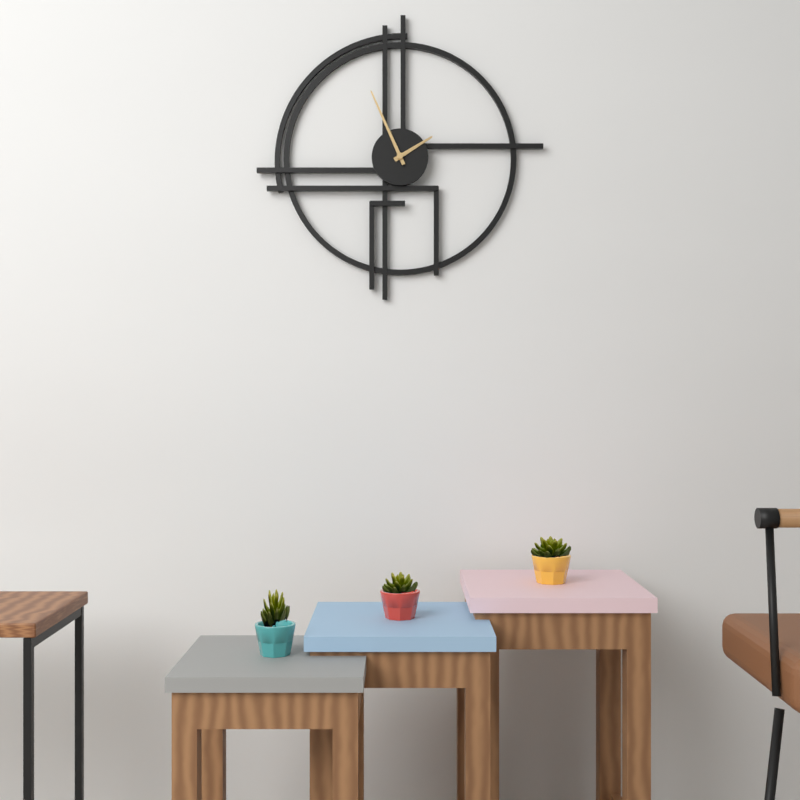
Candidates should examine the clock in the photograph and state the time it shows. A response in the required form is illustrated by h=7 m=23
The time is h=1 m=56
